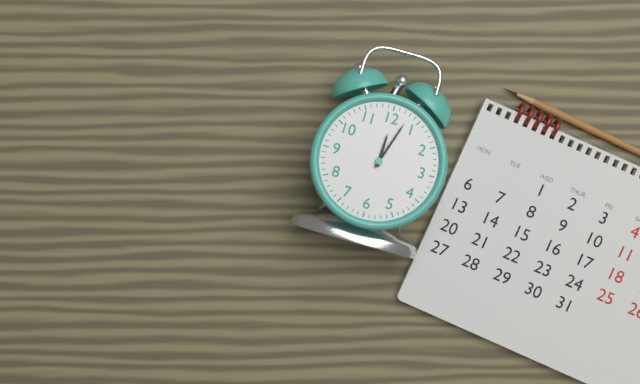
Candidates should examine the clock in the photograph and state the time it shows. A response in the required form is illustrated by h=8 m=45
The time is h=12 m=3
